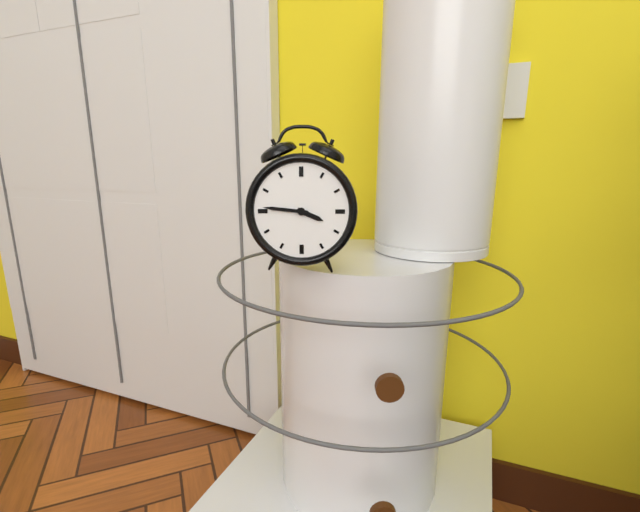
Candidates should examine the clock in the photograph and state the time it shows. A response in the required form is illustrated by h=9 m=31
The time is h=3 m=46
